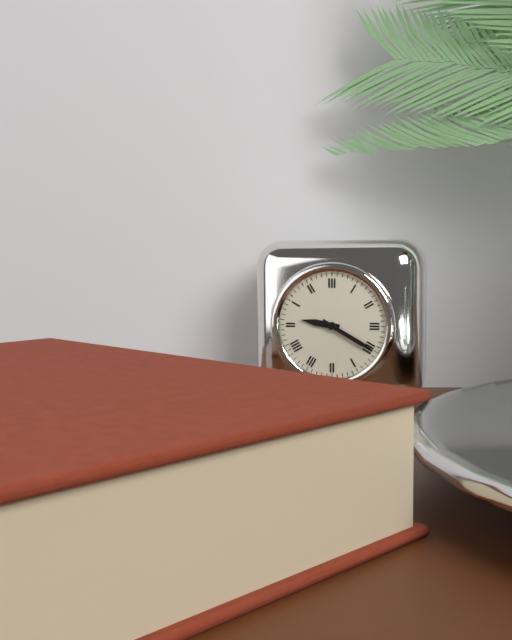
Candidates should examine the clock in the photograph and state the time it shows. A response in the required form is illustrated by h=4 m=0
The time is h=9 m=20
